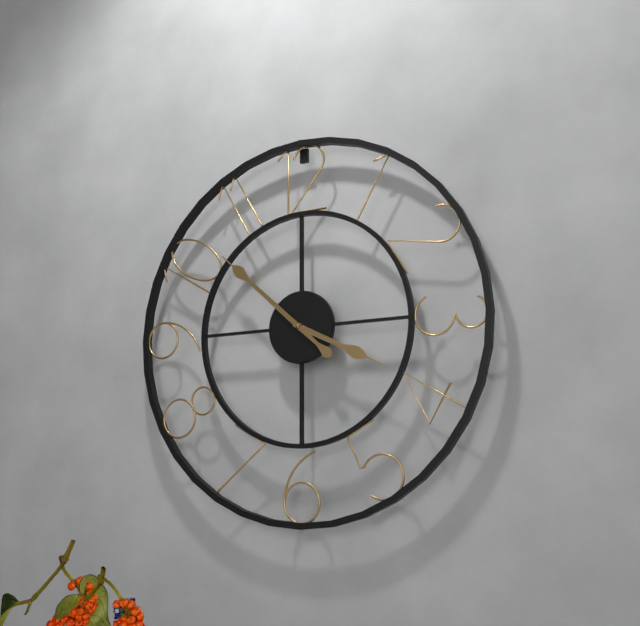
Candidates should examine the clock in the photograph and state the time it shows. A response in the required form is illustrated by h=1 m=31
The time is h=3 m=52
